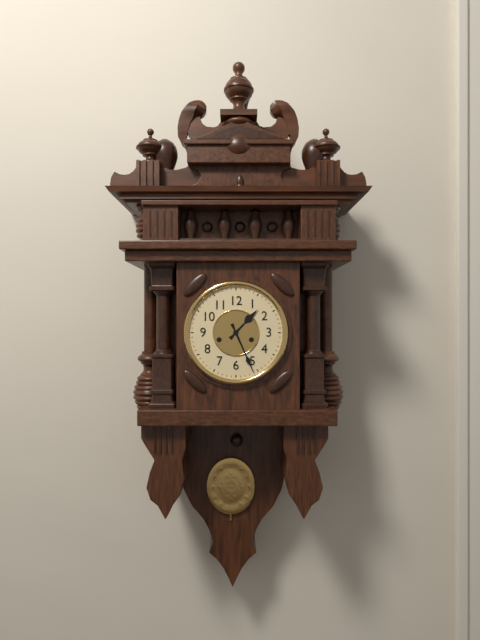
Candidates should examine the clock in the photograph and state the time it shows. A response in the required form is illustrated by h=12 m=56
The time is h=1 m=26
